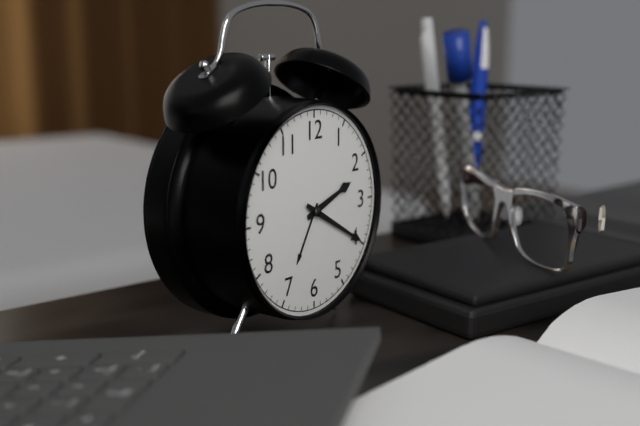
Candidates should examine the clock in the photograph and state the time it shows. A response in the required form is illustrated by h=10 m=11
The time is h=2 m=20
